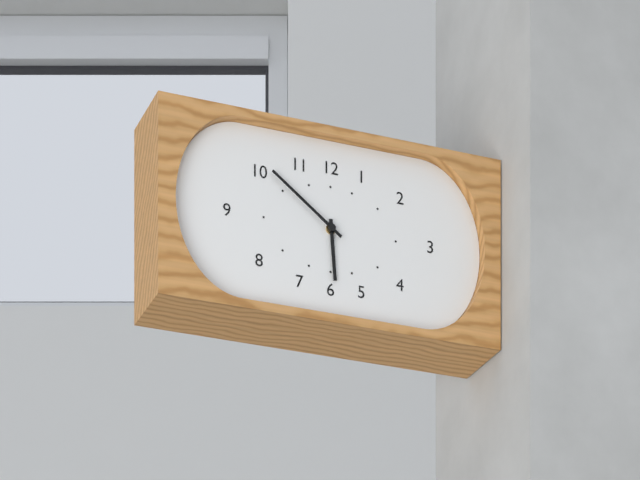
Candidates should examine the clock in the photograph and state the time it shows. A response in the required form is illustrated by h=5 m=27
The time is h=5 m=51
